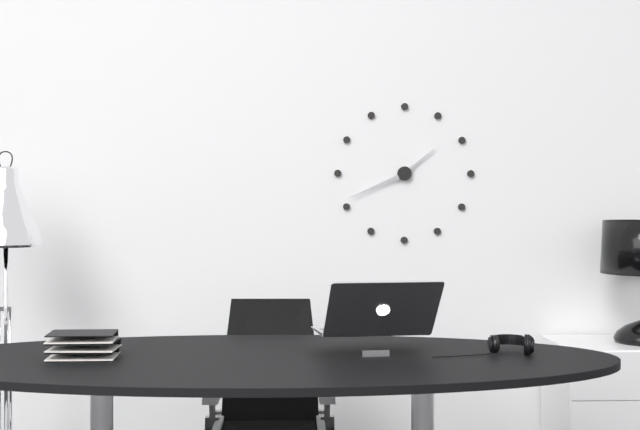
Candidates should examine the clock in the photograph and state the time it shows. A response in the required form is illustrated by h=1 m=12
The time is h=1 m=41
